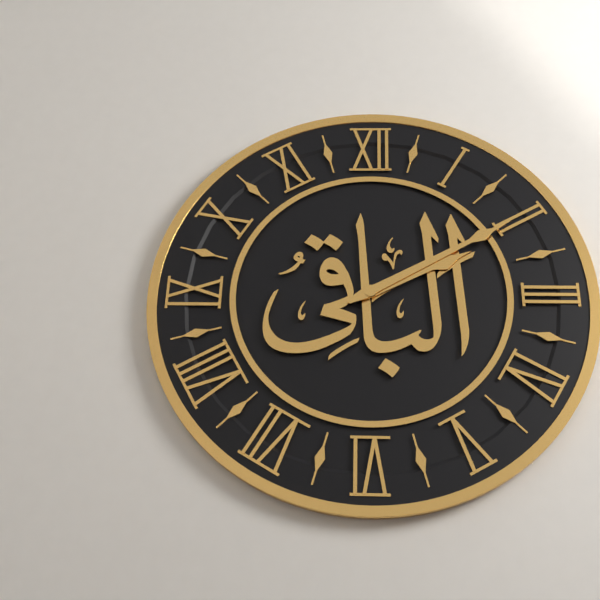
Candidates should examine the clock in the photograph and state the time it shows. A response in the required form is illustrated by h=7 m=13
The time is h=2 m=10
